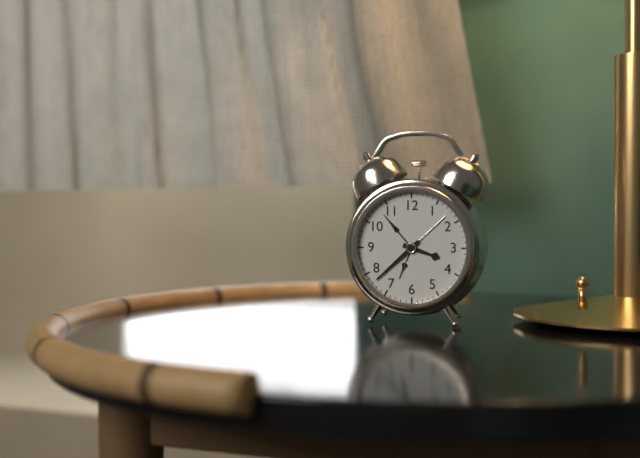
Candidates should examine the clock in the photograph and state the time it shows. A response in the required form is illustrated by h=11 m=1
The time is h=3 m=38
